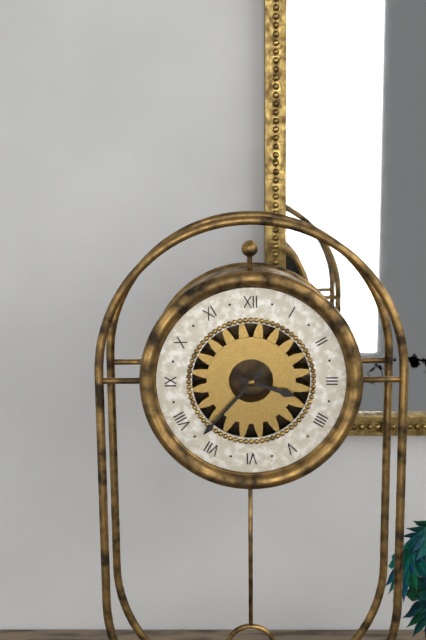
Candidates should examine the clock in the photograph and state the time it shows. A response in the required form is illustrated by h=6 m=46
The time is h=3 m=37
